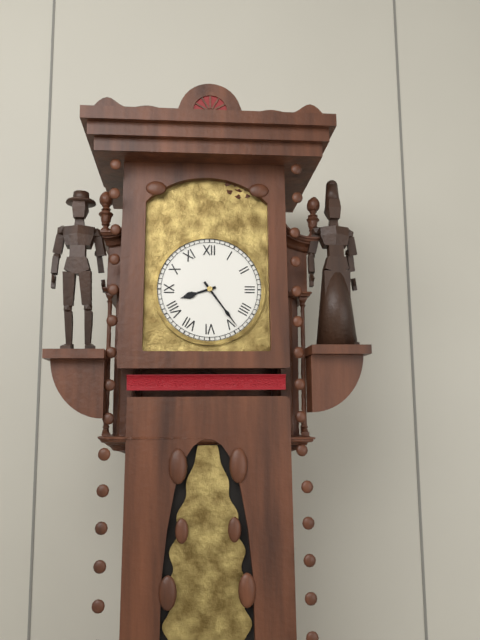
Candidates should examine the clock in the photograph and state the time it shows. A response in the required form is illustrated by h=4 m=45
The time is h=8 m=24
